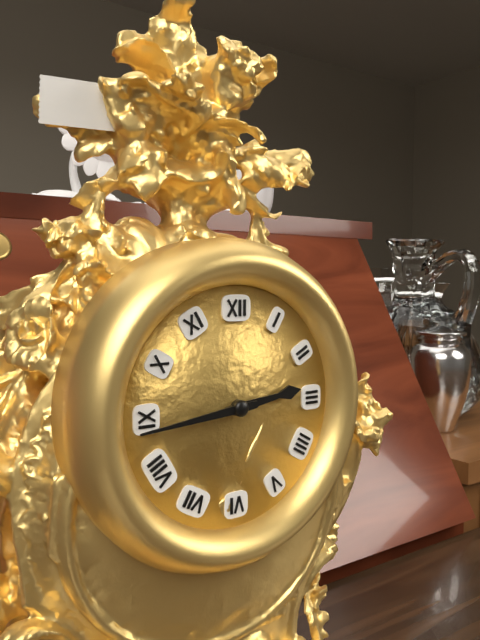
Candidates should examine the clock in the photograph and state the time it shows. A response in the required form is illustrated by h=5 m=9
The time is h=2 m=44
